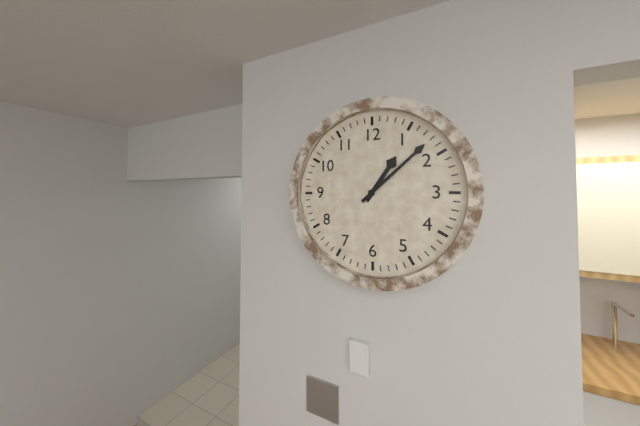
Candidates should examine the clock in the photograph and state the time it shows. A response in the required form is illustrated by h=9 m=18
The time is h=1 m=8
